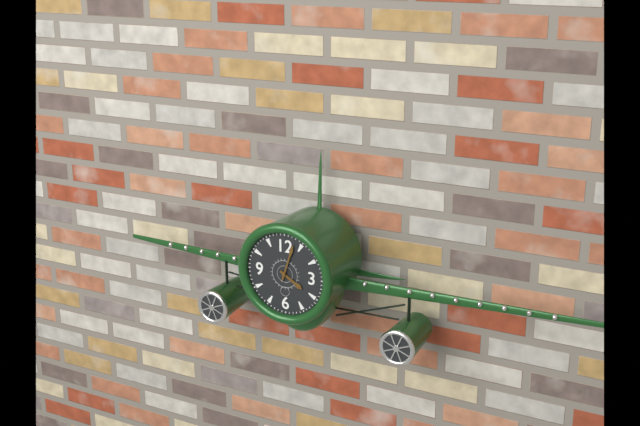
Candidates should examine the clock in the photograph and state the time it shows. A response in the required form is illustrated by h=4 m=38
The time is h=4 m=3
